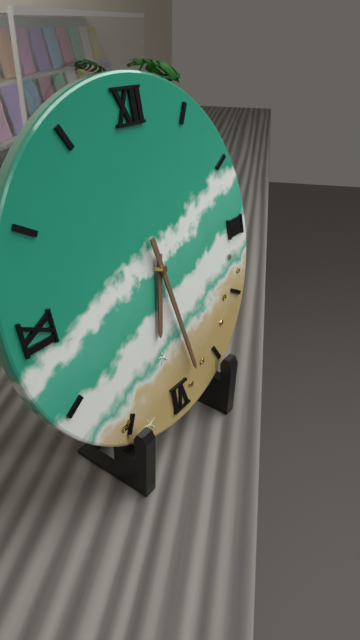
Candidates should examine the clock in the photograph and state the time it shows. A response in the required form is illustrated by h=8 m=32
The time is h=6 m=28
